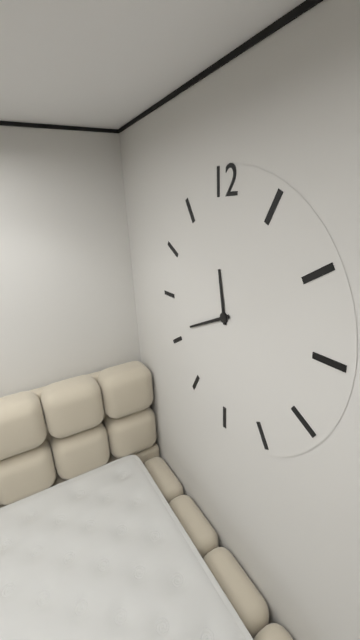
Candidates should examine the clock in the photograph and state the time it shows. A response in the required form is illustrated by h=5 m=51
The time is h=11 m=41
